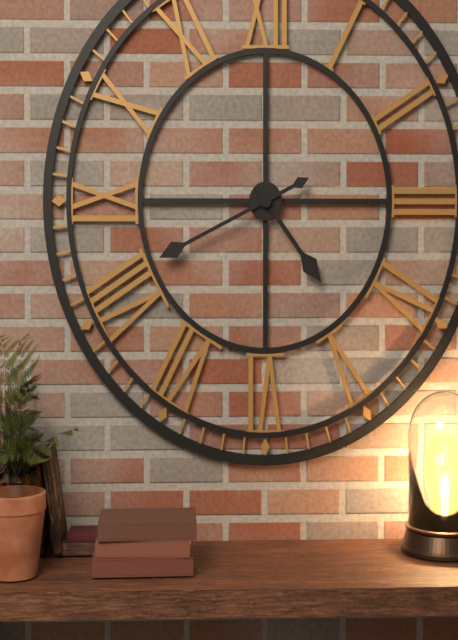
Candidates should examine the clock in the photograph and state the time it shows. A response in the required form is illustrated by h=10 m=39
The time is h=4 m=41
